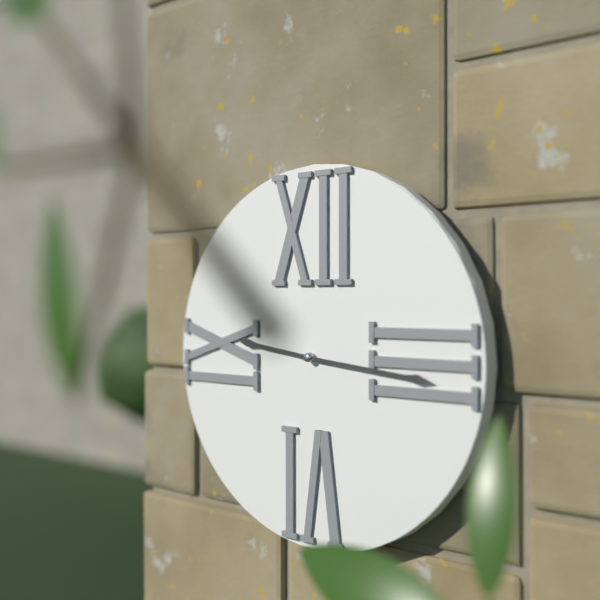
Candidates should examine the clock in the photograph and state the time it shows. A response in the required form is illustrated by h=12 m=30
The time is h=9 m=16
